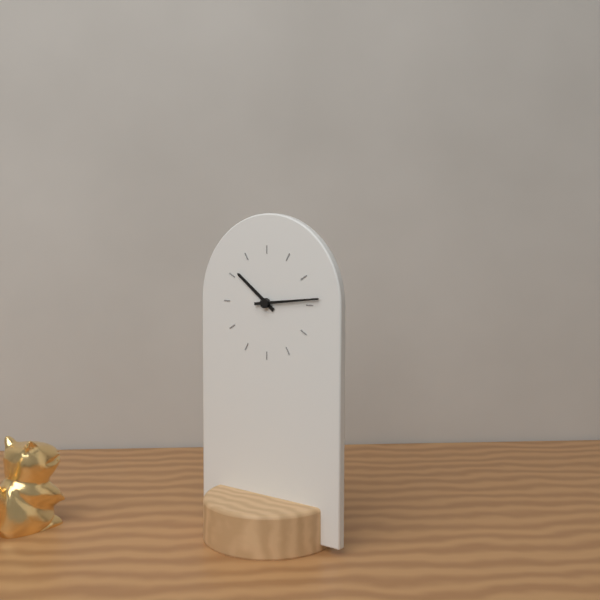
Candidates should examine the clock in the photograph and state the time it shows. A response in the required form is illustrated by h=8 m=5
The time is h=10 m=14
